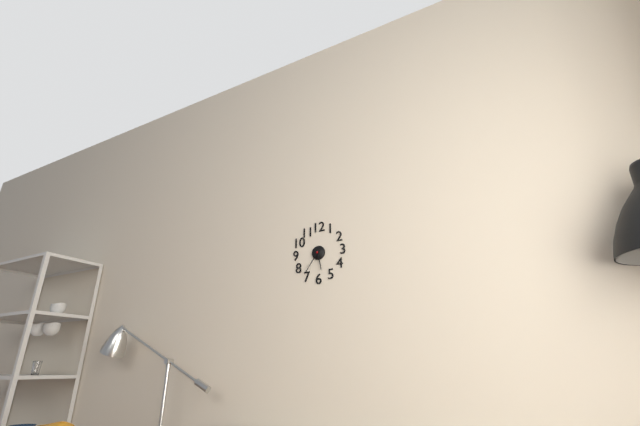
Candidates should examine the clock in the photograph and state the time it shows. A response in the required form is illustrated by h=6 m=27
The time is h=5 m=36
